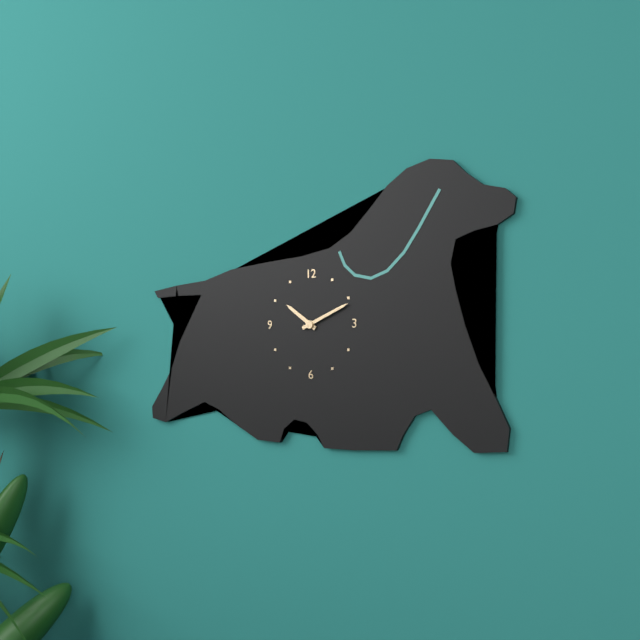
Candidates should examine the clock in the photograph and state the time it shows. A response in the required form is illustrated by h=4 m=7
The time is h=10 m=11
